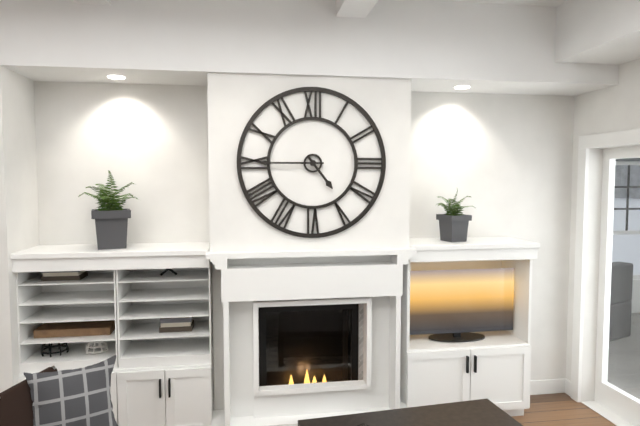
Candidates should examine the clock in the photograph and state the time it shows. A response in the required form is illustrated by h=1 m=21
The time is h=4 m=45
